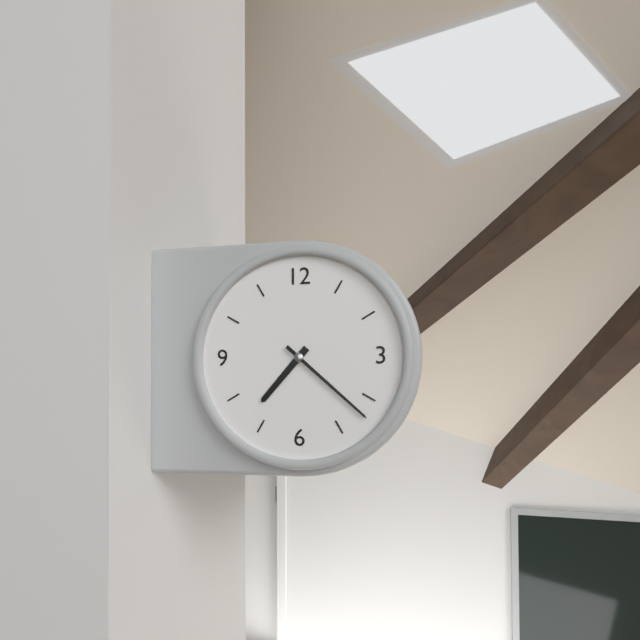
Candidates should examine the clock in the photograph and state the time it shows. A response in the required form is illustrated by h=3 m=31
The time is h=7 m=22
